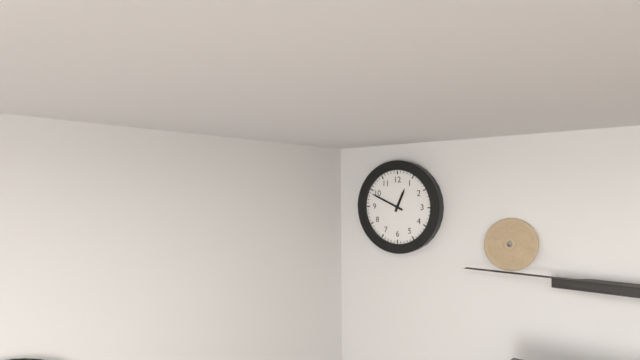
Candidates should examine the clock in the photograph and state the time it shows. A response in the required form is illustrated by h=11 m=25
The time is h=12 m=49
